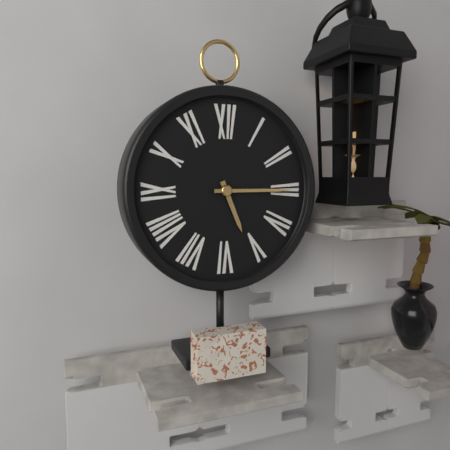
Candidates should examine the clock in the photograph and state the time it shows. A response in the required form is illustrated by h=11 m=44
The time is h=5 m=15
